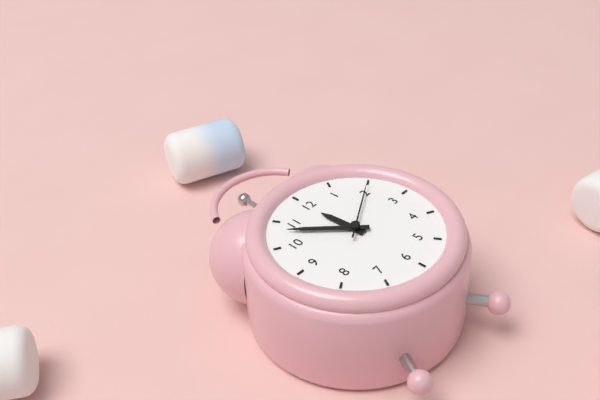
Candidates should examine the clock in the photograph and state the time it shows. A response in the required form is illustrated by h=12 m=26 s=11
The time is h=11 m=53 s=10
